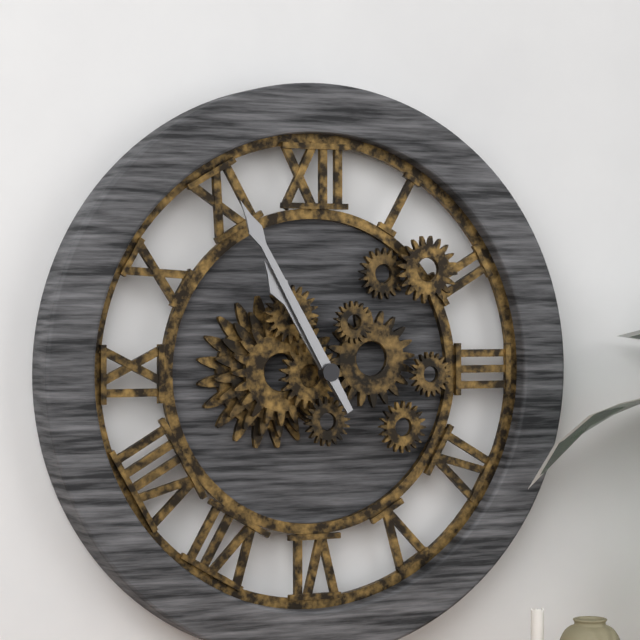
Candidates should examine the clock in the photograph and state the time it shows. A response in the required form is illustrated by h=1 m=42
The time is h=10 m=55
